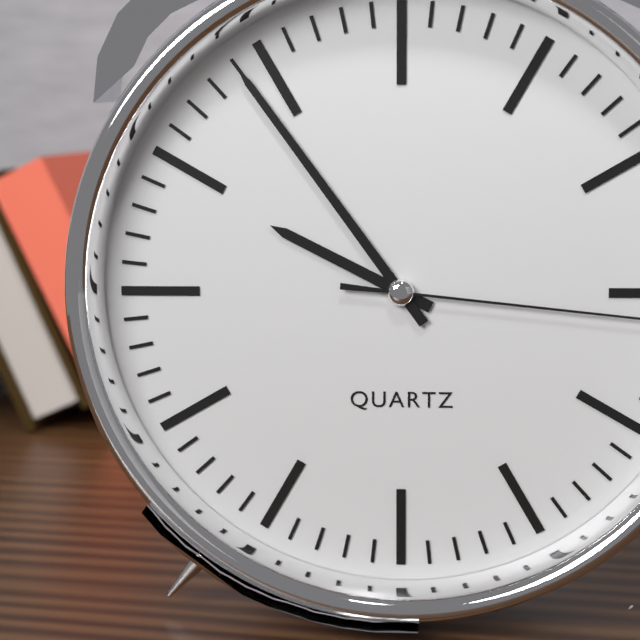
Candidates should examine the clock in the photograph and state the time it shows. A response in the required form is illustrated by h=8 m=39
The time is h=9 m=54
